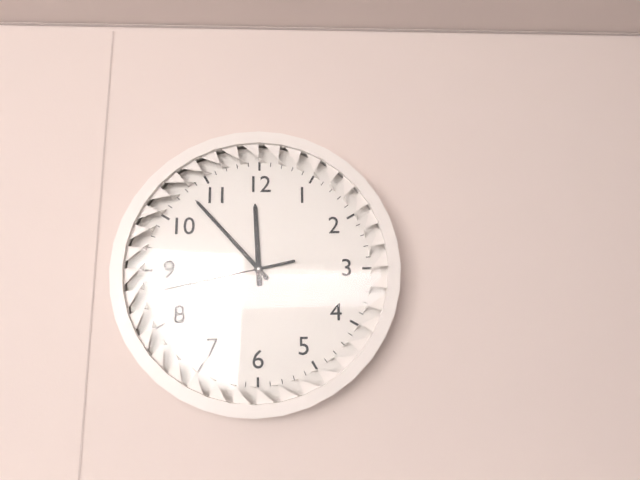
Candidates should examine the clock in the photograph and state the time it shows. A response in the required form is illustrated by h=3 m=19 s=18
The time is h=11 m=53 s=43
